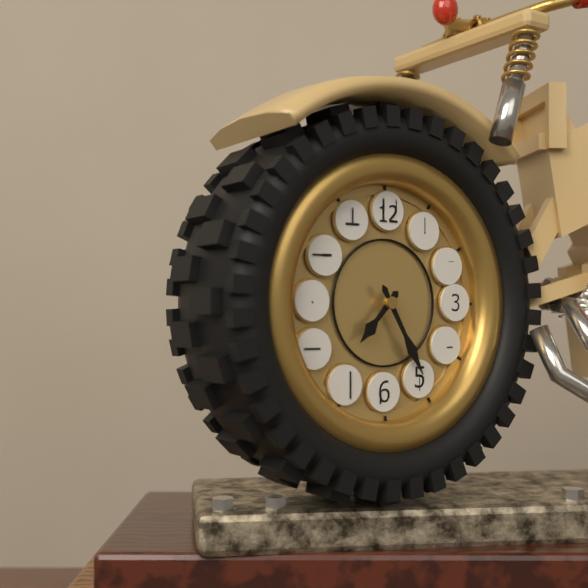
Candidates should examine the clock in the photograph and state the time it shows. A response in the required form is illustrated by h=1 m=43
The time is h=7 m=25
